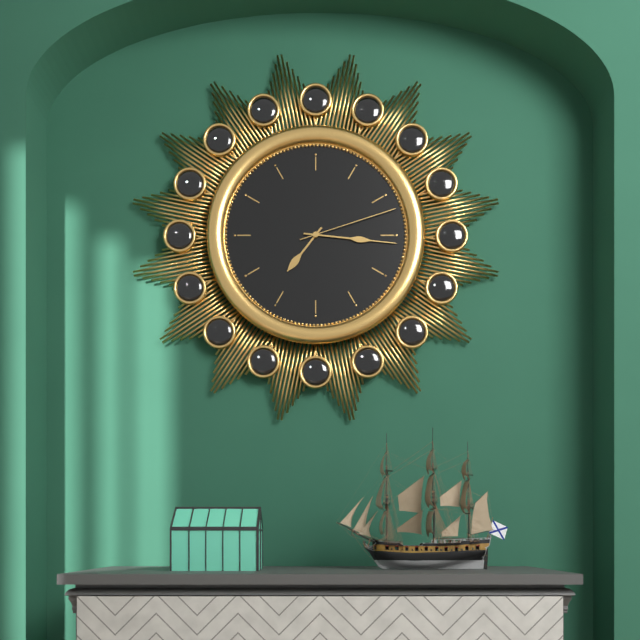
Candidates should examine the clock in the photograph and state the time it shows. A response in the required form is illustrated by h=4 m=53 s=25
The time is h=7 m=16 s=12
